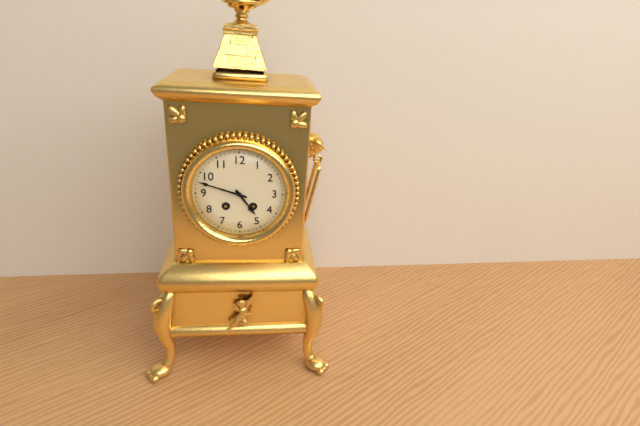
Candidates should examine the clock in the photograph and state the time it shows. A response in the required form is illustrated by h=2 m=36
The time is h=4 m=48
